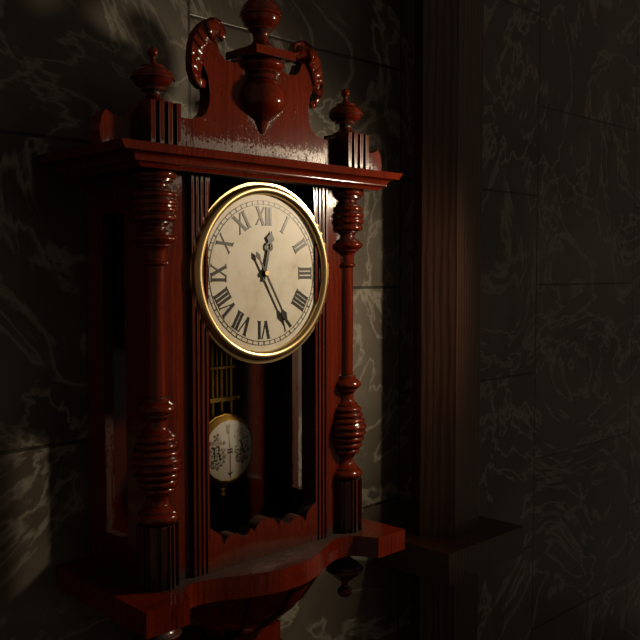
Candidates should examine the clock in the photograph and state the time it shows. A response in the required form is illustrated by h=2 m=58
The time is h=12 m=25
